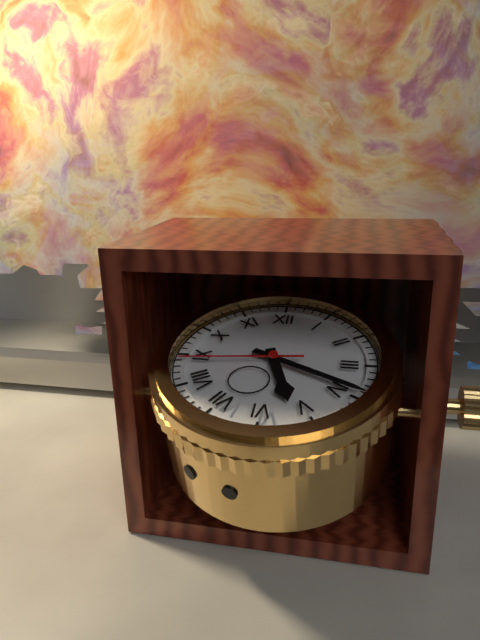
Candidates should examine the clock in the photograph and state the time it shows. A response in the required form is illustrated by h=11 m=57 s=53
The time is h=5 m=19 s=44
